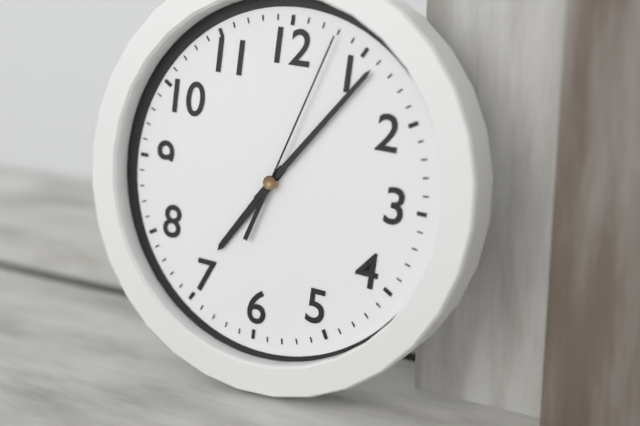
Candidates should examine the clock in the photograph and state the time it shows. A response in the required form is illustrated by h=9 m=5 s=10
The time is h=7 m=6 s=3
